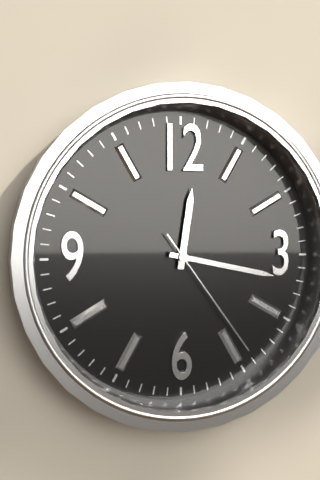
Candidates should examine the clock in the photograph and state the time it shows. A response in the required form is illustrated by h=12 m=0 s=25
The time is h=12 m=17 s=24
